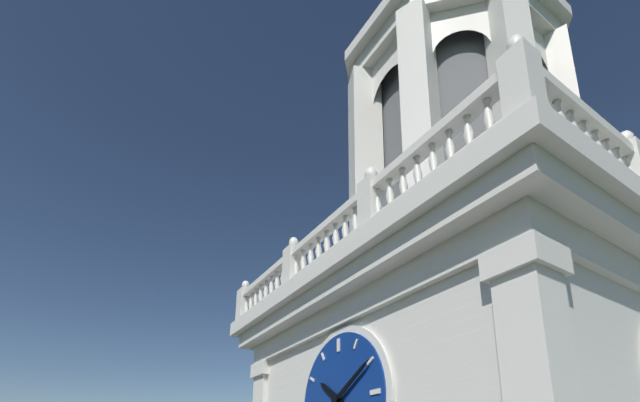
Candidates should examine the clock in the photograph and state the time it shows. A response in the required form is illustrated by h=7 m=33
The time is h=10 m=10
